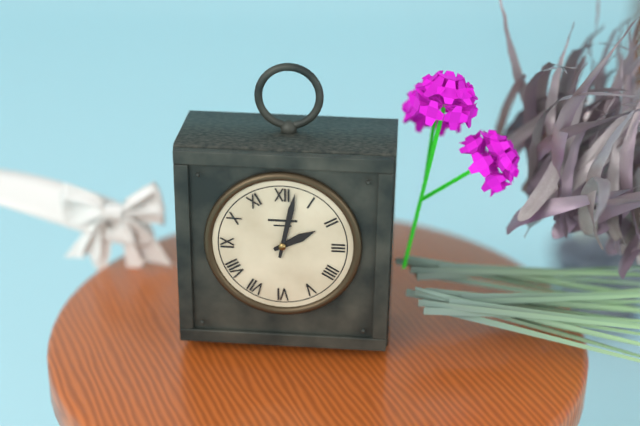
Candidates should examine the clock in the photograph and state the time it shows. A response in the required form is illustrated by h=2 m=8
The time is h=2 m=2
